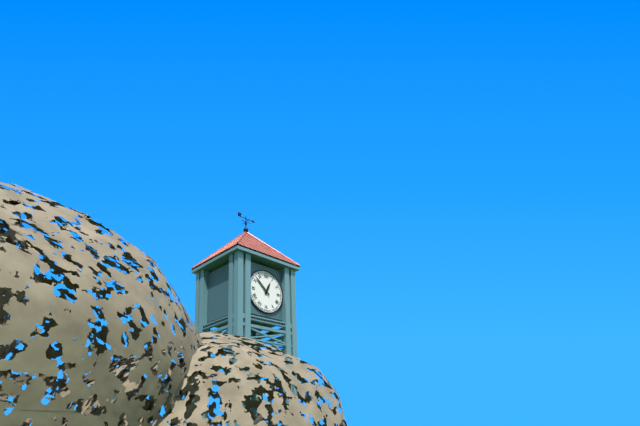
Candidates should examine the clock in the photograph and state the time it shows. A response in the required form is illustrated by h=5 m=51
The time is h=12 m=52
